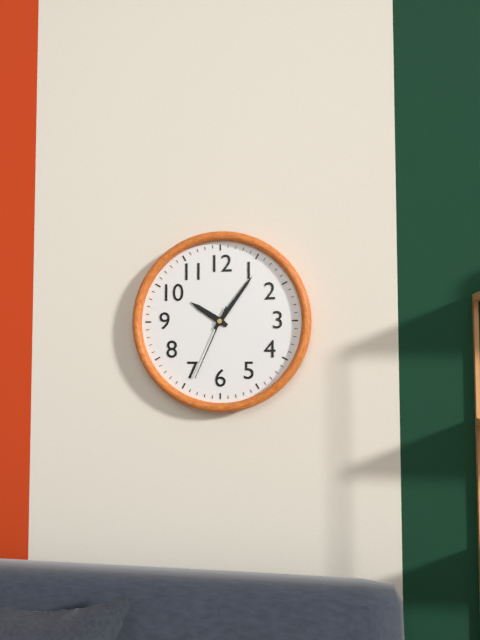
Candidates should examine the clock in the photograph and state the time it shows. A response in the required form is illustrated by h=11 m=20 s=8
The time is h=10 m=6 s=34
